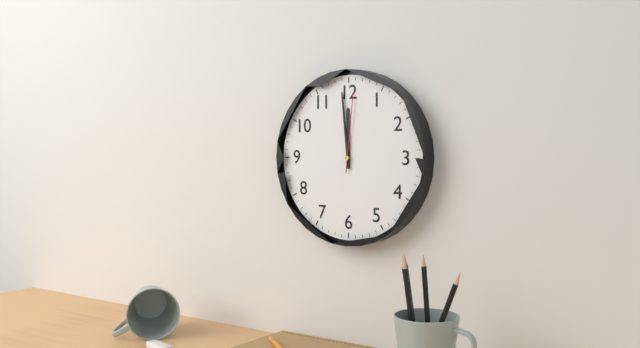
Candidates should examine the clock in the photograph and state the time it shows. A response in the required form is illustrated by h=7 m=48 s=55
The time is h=11 m=59 s=1
